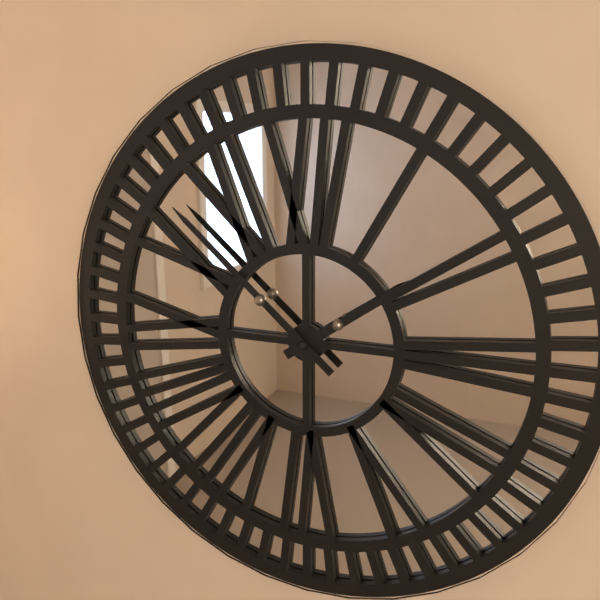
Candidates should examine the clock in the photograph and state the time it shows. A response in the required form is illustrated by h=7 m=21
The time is h=1 m=52
